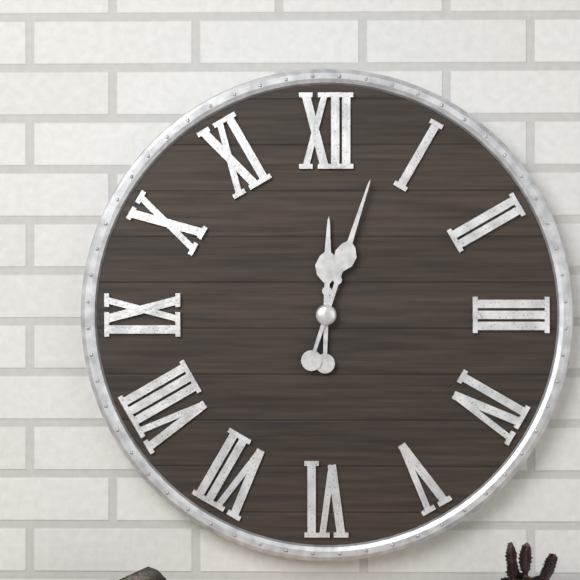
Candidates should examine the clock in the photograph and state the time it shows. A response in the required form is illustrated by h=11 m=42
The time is h=12 m=3
